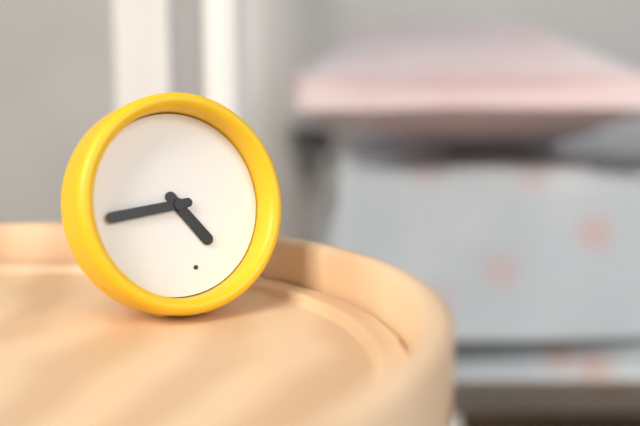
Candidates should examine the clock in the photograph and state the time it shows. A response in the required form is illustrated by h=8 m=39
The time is h=4 m=44
